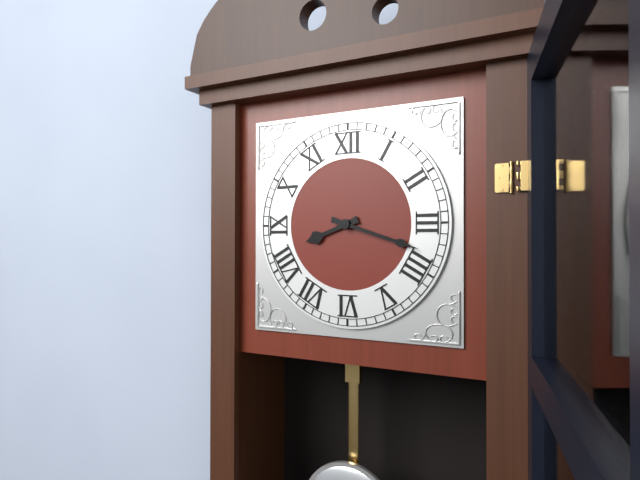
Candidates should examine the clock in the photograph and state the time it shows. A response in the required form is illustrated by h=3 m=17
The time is h=8 m=18
